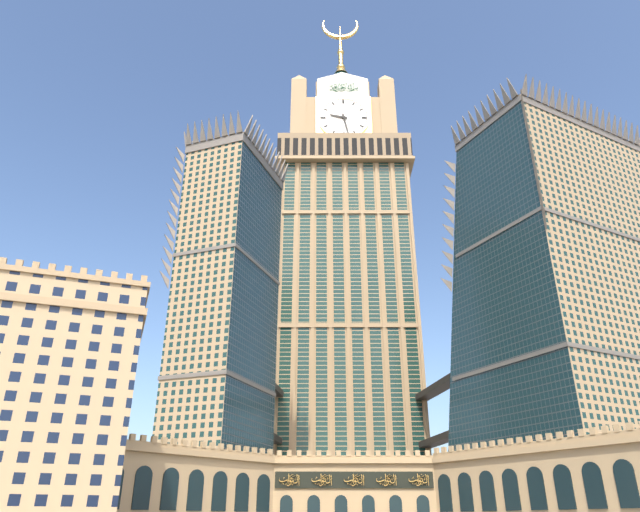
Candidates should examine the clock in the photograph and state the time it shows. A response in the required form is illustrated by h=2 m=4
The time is h=9 m=28
